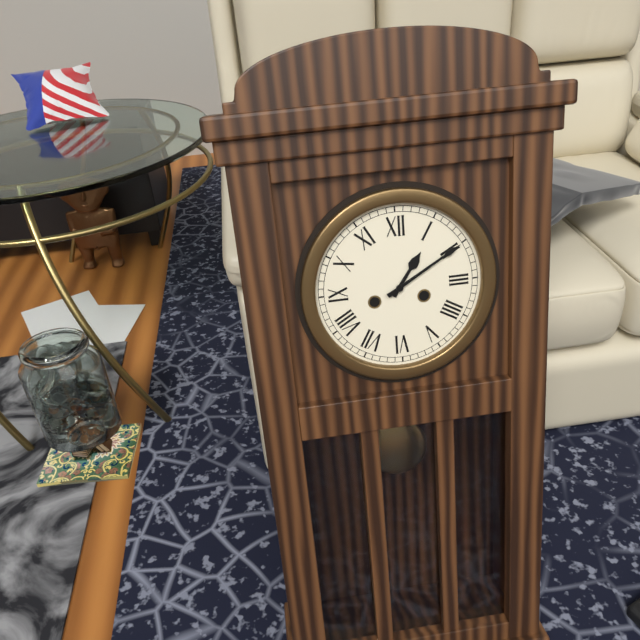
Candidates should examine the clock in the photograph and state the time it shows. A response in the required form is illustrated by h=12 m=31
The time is h=1 m=10
